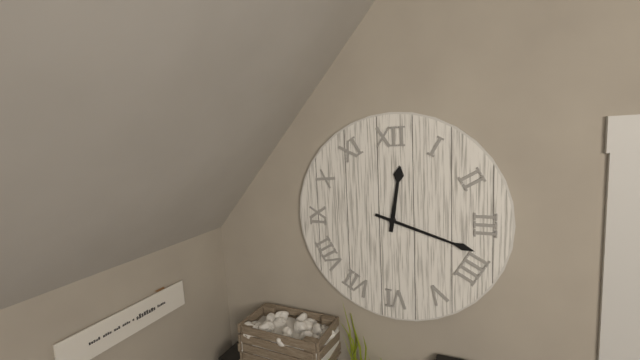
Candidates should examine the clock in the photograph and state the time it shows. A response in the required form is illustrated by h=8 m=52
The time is h=12 m=18
